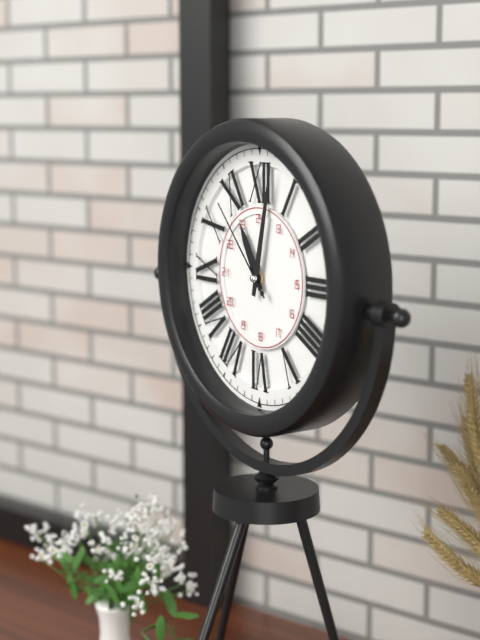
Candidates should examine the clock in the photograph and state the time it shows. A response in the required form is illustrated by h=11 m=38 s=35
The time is h=11 m=2 s=53
